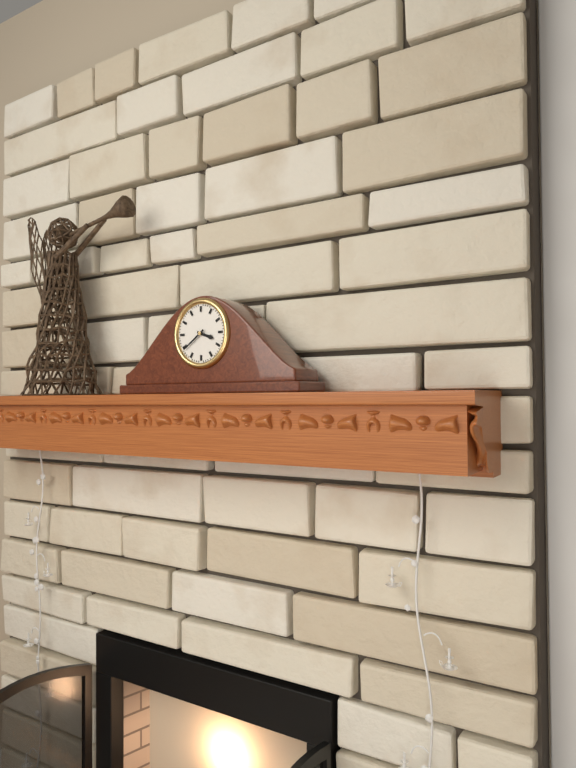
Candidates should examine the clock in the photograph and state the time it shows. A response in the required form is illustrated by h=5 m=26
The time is h=3 m=39
